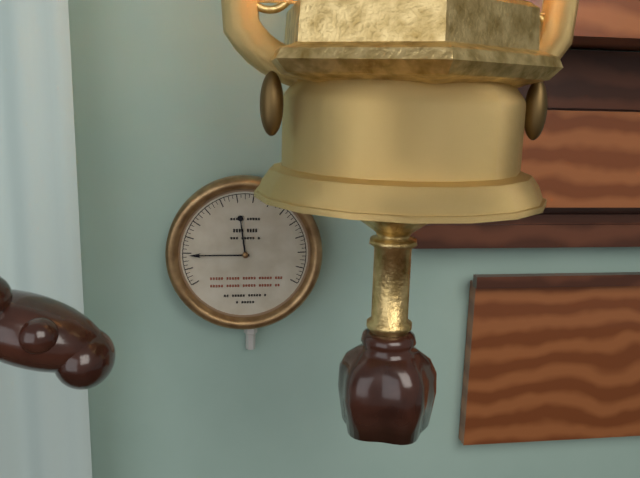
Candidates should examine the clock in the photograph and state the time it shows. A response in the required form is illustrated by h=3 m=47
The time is h=11 m=45
